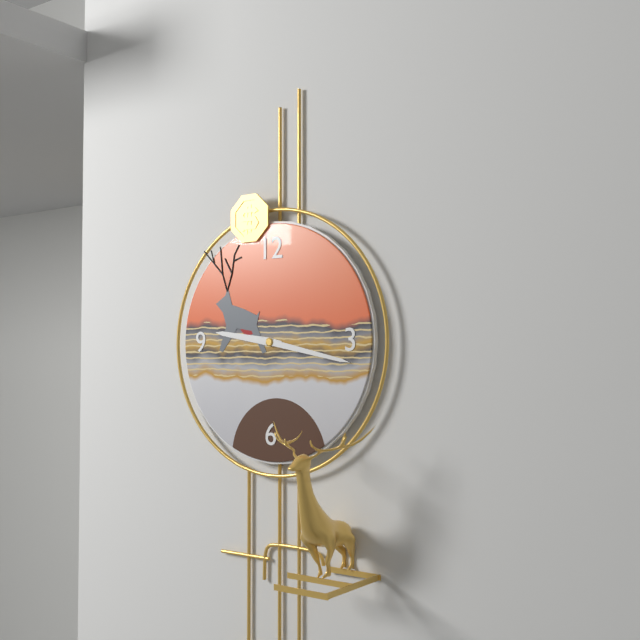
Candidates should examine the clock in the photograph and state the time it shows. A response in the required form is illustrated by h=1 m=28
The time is h=9 m=17
